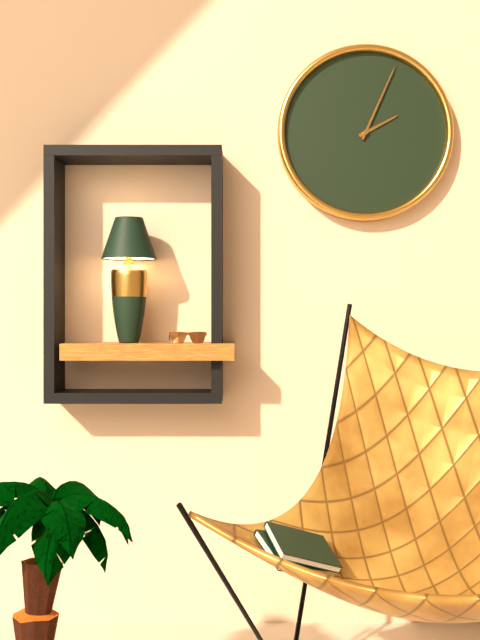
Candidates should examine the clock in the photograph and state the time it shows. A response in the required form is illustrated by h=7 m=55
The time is h=2 m=4
